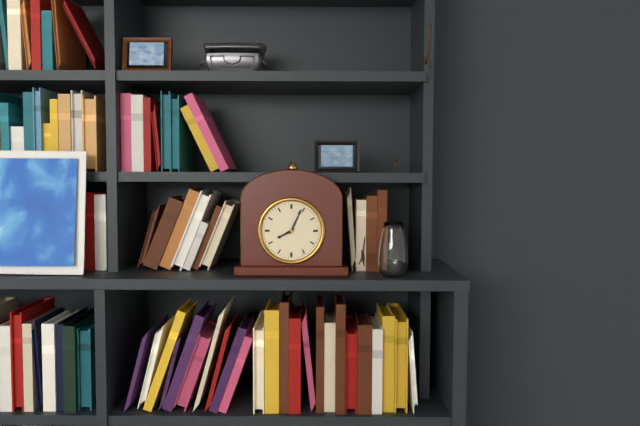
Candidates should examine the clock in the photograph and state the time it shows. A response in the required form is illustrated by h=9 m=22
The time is h=8 m=4
